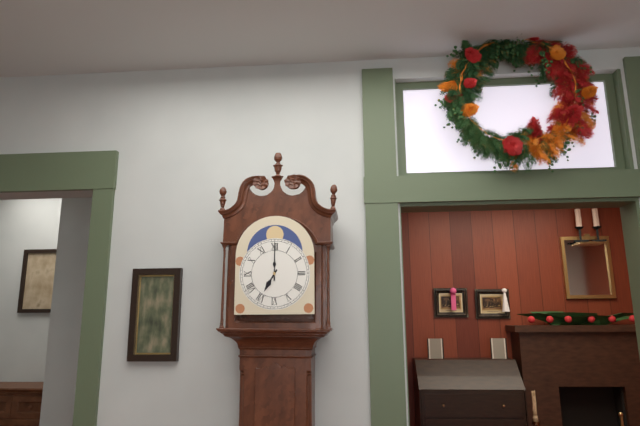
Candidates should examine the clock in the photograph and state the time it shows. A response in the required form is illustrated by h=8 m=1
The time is h=7 m=0
